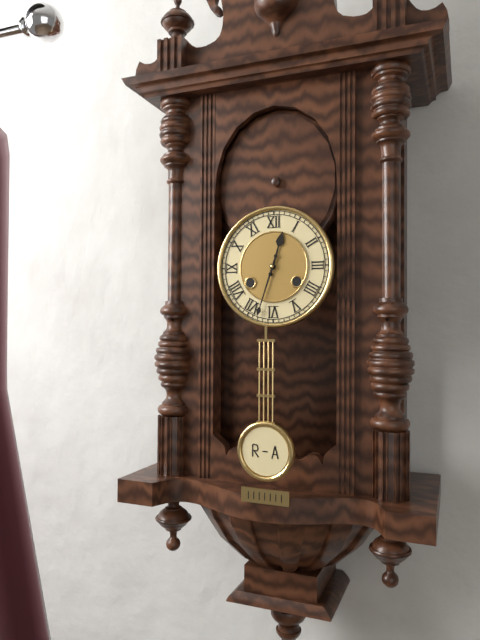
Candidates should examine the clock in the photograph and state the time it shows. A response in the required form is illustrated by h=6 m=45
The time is h=12 m=33
